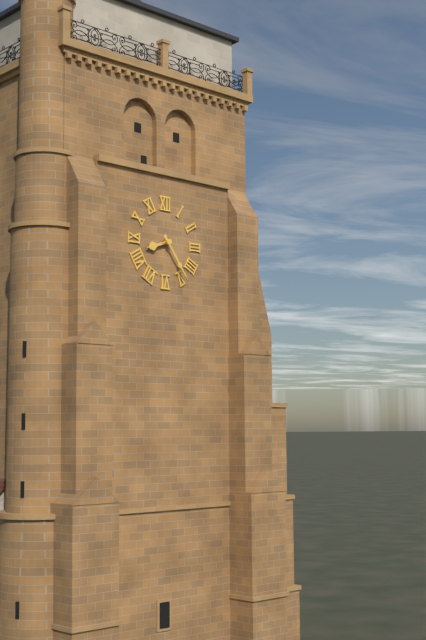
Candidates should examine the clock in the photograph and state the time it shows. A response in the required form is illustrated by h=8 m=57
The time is h=8 m=24
